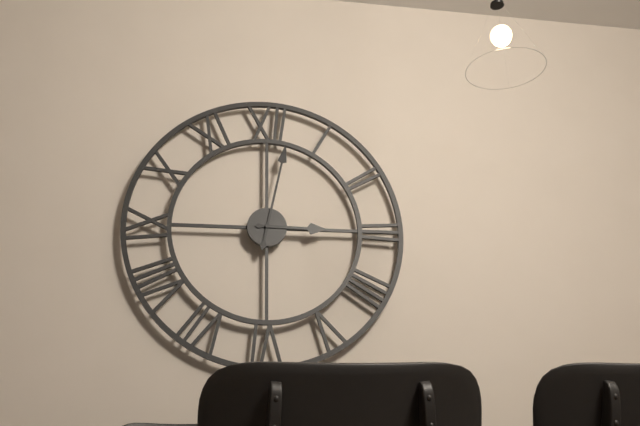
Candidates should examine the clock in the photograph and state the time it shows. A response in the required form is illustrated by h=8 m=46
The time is h=3 m=2
